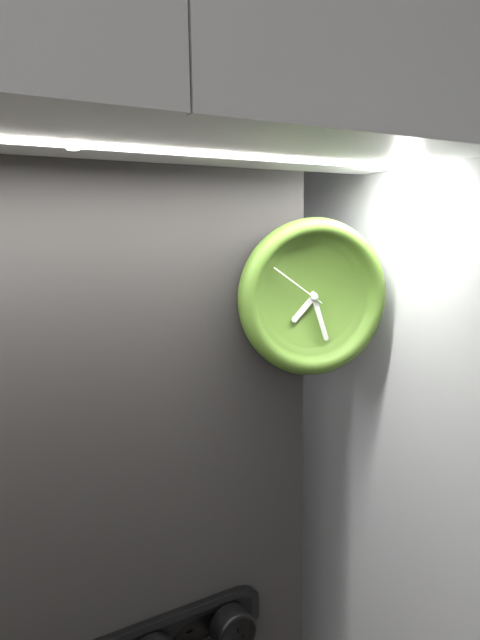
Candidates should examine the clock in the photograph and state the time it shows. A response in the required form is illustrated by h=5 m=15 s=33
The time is h=7 m=27 s=51
